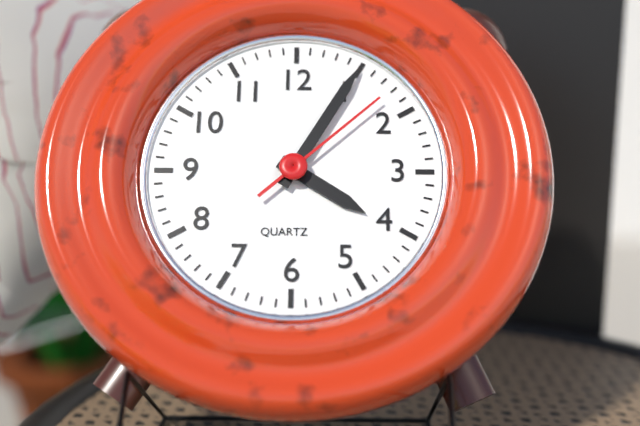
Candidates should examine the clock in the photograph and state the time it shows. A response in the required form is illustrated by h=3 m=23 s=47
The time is h=4 m=5 s=8
